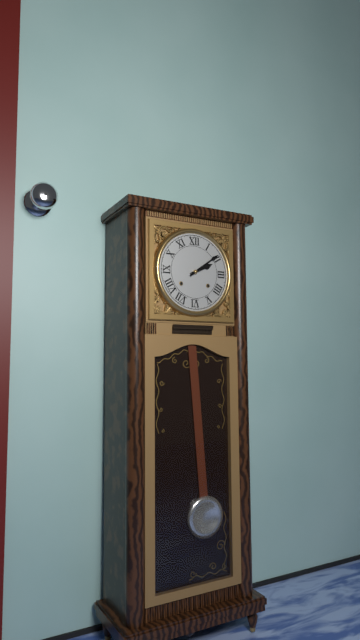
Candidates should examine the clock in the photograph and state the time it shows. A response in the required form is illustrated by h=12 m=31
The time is h=2 m=9
